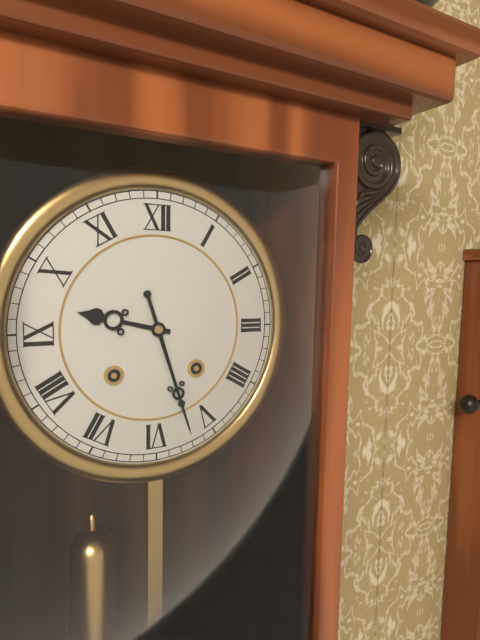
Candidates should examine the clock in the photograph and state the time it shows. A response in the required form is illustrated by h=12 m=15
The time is h=9 m=27
